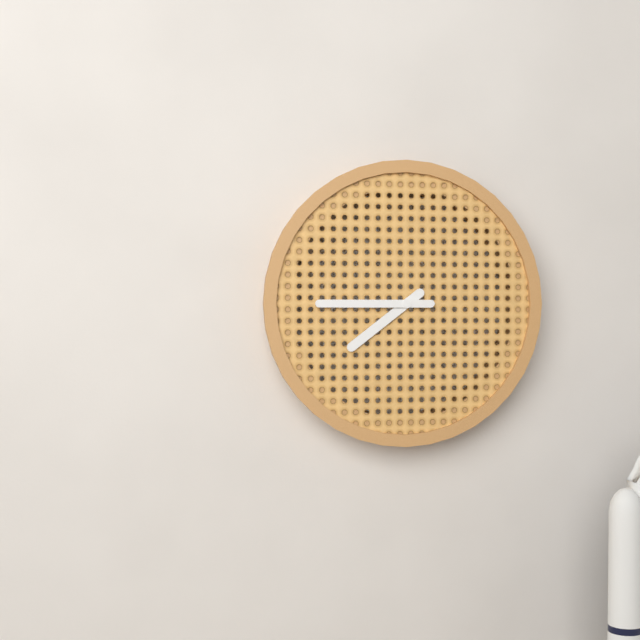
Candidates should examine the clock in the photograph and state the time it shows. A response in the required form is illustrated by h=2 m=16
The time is h=7 m=45
